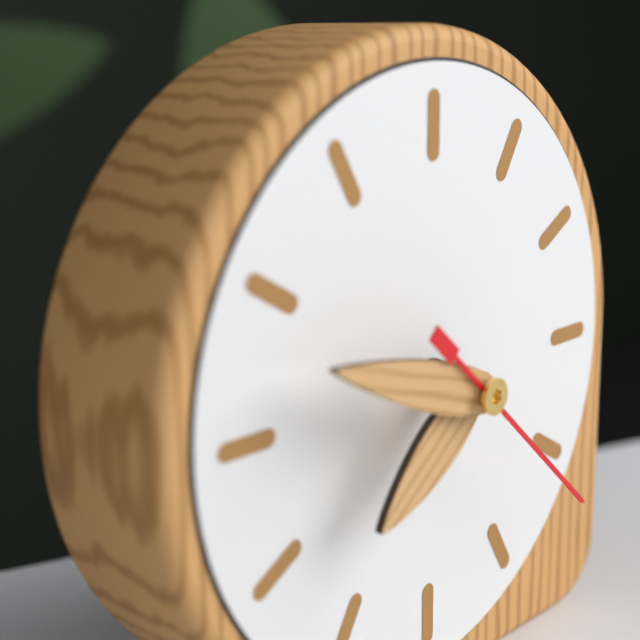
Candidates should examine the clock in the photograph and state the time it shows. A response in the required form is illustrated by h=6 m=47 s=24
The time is h=7 m=48 s=22
